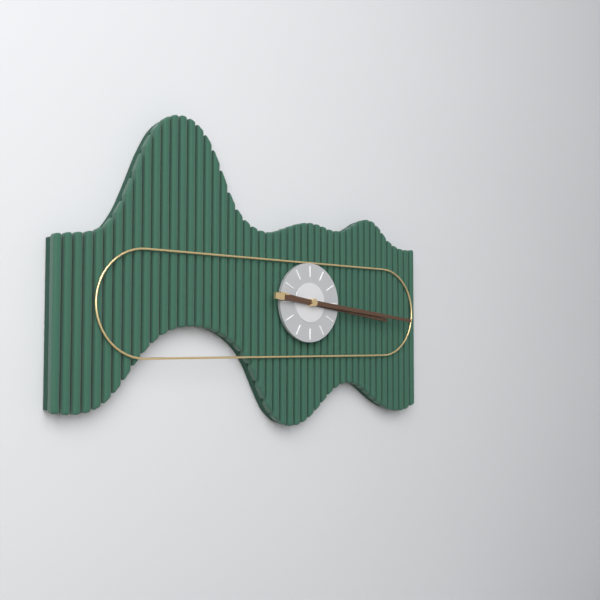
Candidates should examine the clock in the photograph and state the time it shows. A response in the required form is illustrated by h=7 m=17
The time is h=3 m=16
